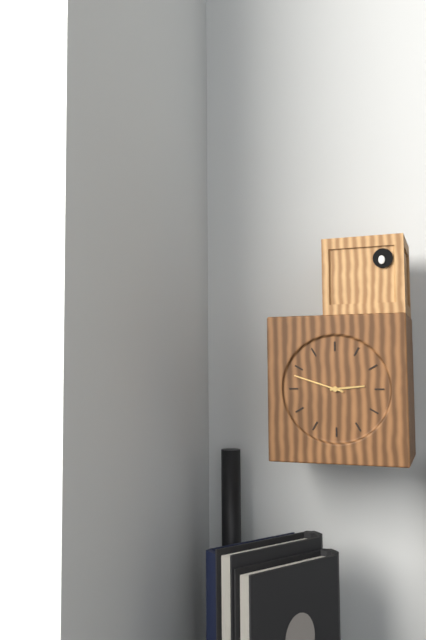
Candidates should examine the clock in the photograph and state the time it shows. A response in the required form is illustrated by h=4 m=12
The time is h=2 m=48
